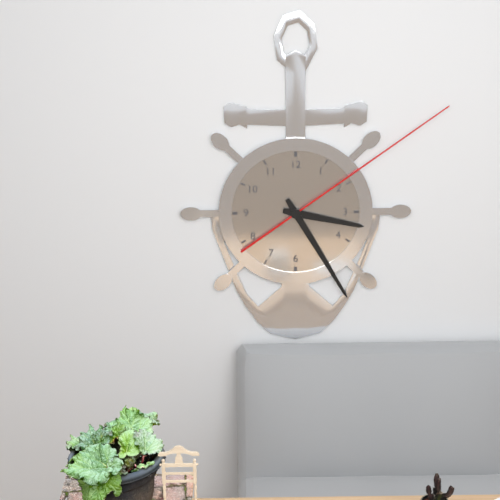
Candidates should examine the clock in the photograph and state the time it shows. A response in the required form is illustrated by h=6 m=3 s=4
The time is h=3 m=25 s=9
